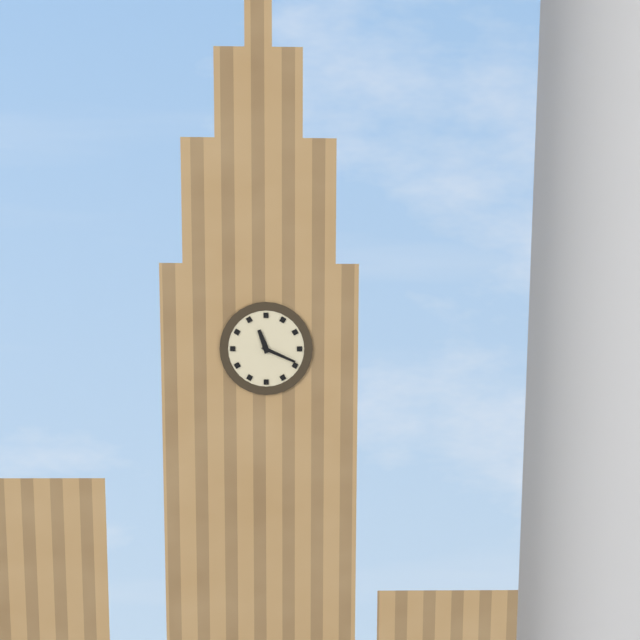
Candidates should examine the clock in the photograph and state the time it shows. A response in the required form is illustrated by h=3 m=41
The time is h=11 m=19
